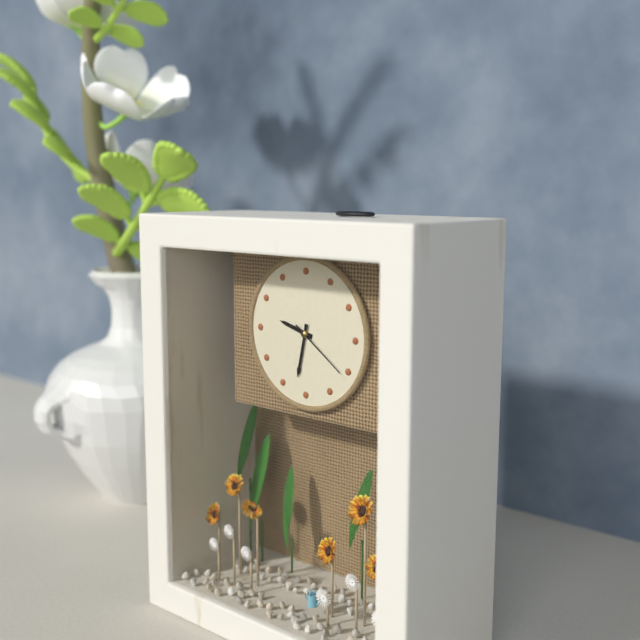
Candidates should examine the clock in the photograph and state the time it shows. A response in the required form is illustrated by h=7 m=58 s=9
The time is h=9 m=32 s=21
